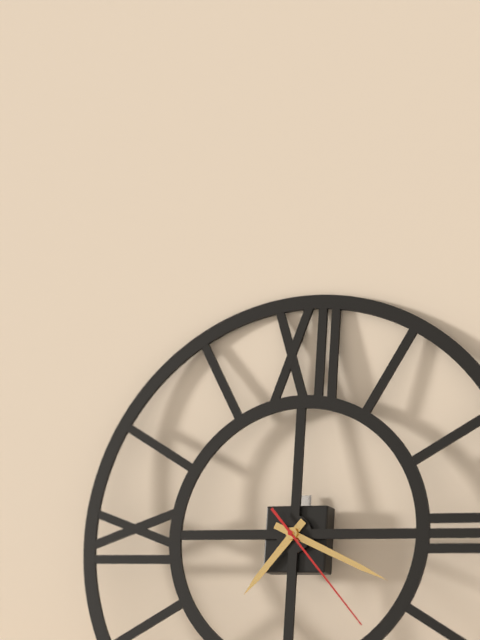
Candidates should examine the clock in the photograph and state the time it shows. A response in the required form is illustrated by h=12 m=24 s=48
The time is h=7 m=19 s=23
